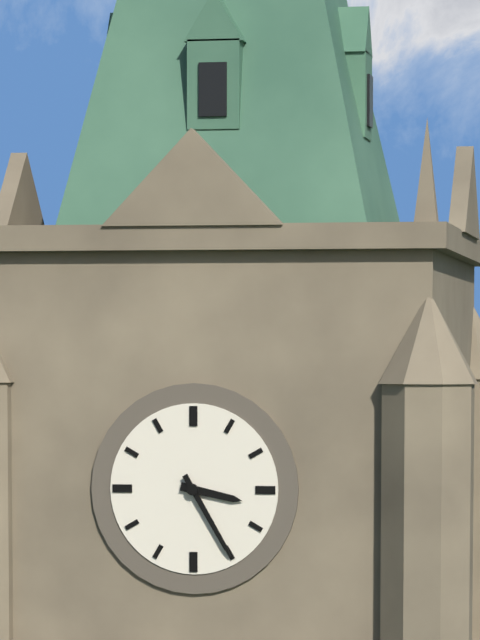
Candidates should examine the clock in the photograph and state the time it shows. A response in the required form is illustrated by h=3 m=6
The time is h=3 m=25
